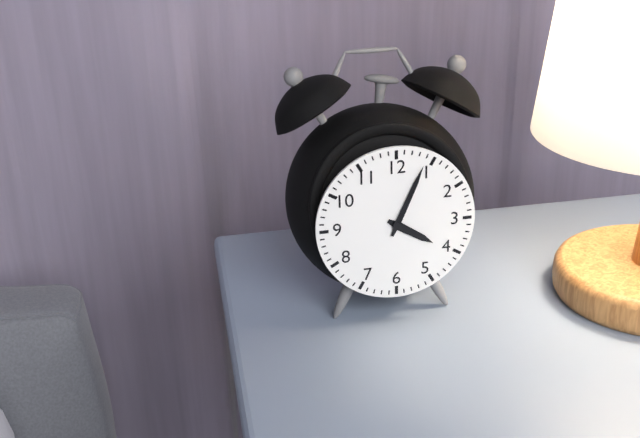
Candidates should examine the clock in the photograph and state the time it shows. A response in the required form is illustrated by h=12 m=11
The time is h=4 m=4
